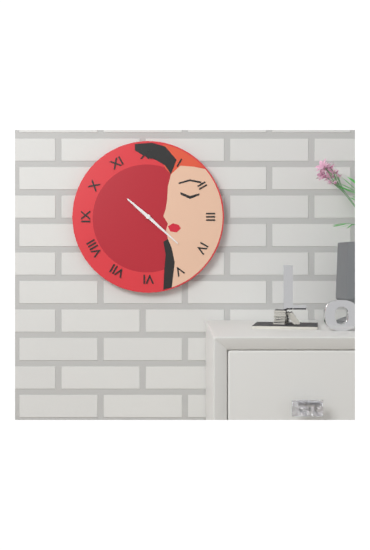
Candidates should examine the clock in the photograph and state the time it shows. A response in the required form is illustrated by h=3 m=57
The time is h=10 m=22
